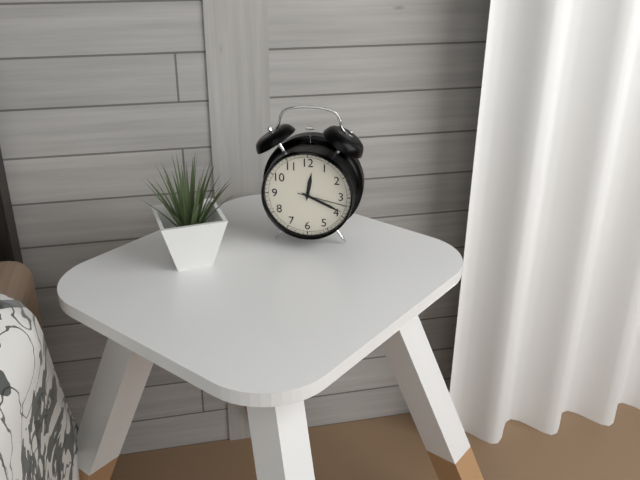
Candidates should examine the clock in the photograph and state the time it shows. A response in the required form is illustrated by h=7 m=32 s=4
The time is h=12 m=19 s=17
